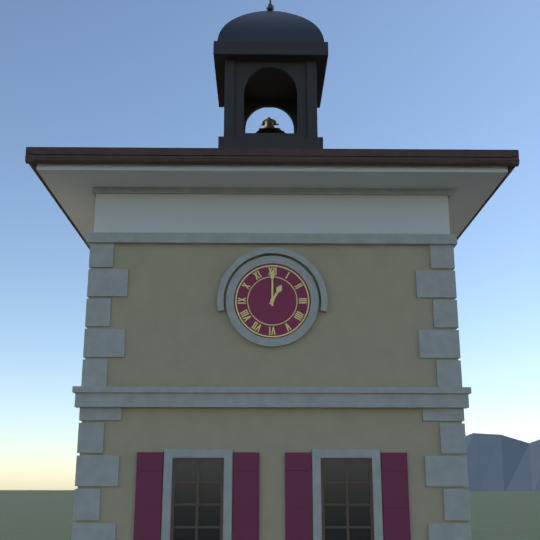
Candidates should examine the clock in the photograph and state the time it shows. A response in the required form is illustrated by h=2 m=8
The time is h=1 m=0
